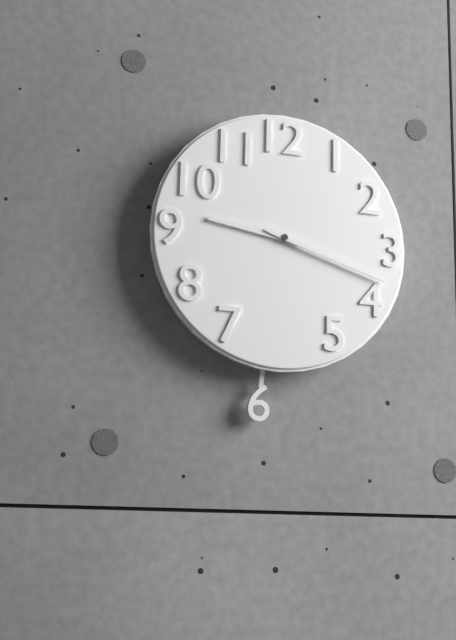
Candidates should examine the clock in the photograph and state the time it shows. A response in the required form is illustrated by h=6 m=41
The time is h=9 m=18
